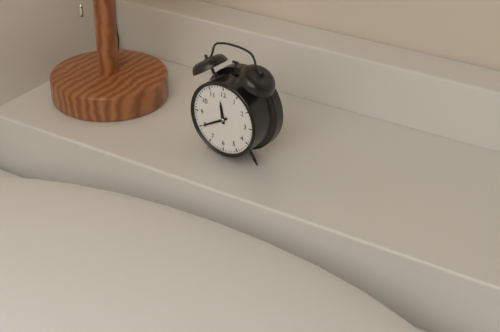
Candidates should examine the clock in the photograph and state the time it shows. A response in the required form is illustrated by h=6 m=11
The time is h=11 m=40
